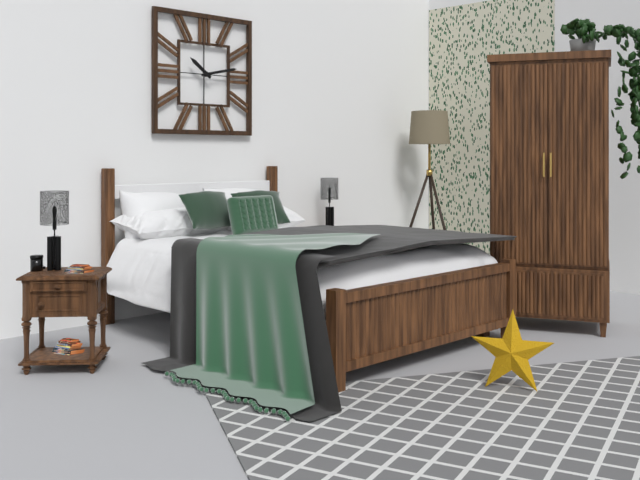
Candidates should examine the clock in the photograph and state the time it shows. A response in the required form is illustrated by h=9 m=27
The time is h=10 m=13
